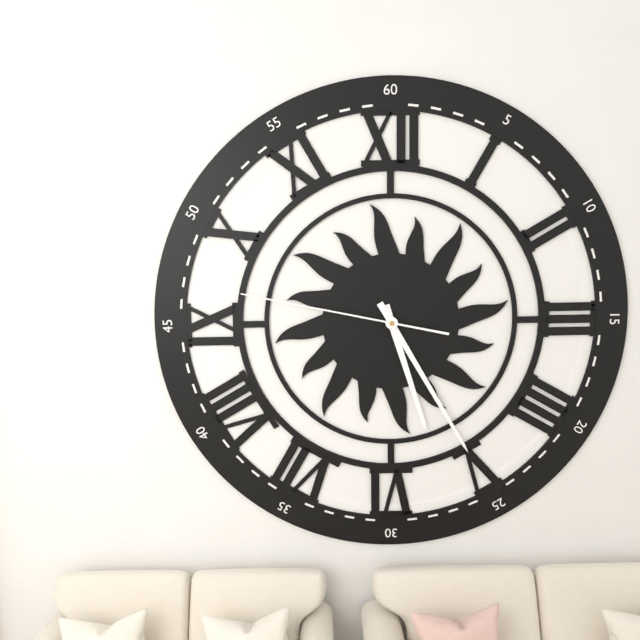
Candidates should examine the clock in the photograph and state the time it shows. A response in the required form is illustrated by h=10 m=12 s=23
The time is h=5 m=25 s=47
